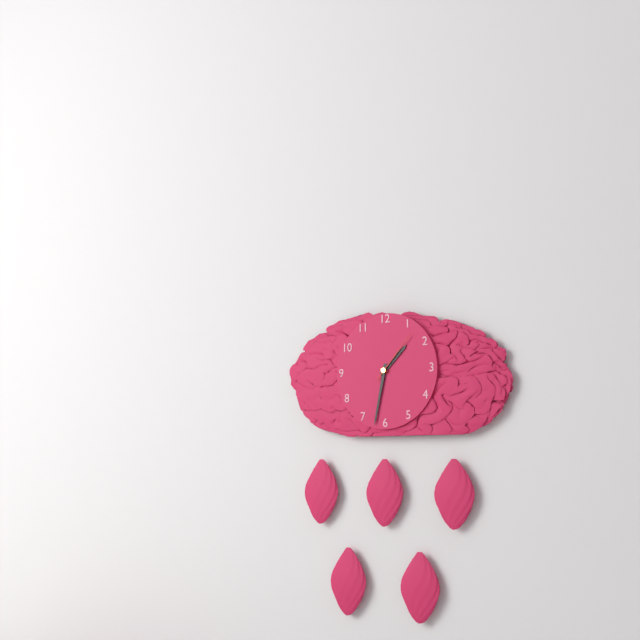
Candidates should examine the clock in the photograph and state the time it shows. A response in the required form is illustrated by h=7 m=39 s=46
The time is h=1 m=32 s=7
